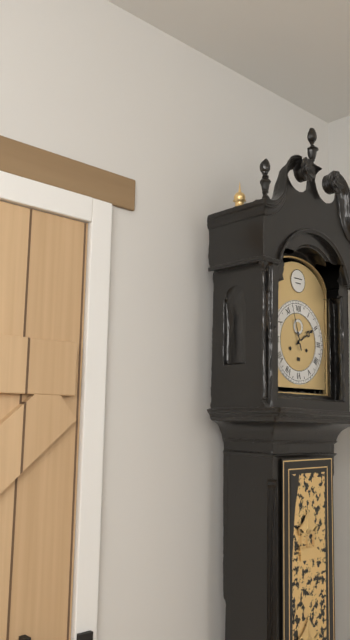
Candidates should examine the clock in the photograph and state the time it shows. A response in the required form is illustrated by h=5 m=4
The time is h=1 m=57
